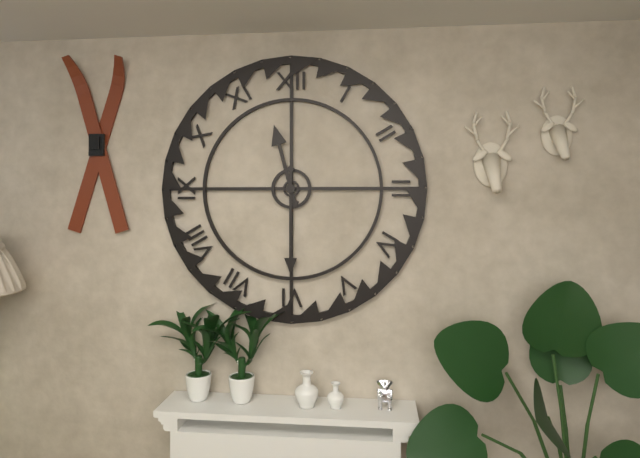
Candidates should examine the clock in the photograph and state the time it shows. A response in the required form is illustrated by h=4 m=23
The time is h=11 m=30
